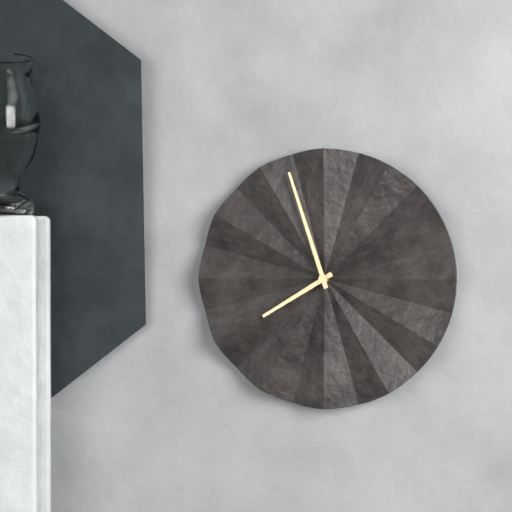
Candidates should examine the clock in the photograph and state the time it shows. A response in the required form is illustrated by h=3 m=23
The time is h=7 m=57
